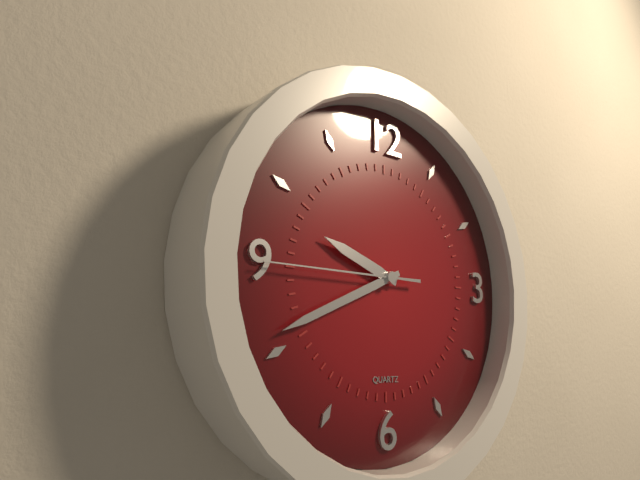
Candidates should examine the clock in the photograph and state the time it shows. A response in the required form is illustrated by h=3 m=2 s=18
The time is h=9 m=41 s=45
